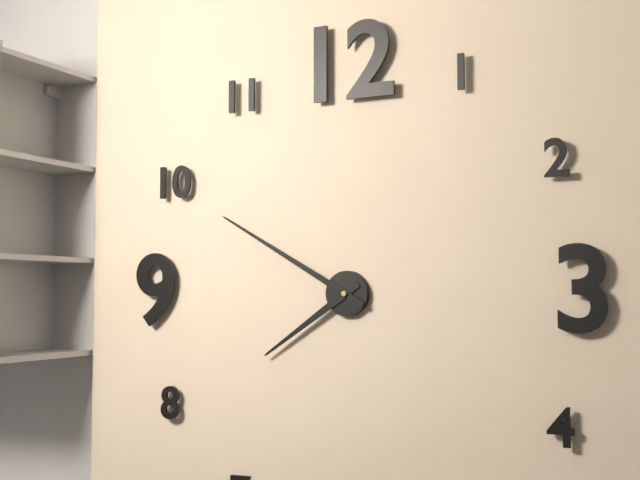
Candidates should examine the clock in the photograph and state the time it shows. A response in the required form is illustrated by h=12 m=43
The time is h=7 m=50
